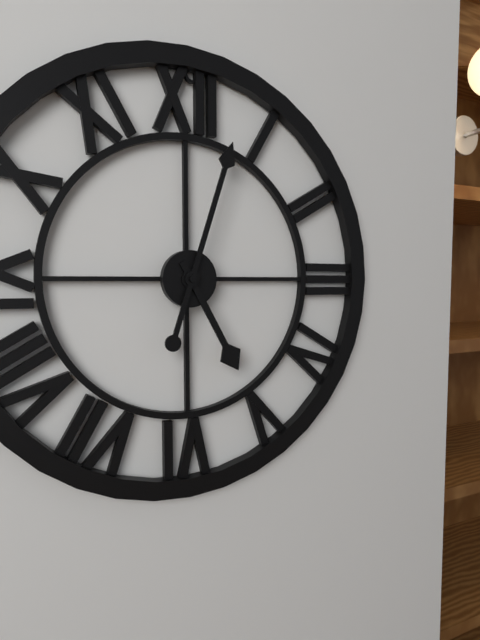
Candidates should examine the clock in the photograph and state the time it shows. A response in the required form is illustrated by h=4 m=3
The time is h=5 m=3
